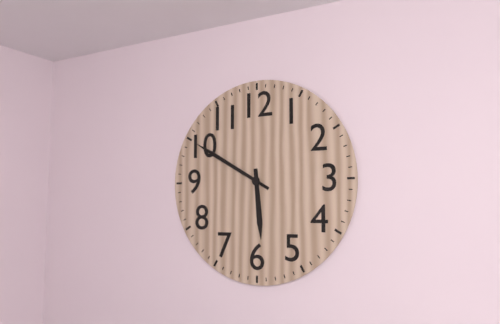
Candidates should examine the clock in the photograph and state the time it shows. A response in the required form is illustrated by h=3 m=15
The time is h=5 m=50
